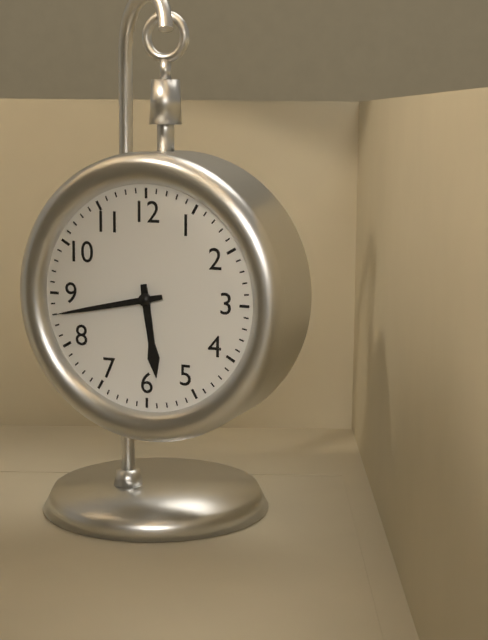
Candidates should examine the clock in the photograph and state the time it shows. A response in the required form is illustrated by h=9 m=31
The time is h=5 m=43
